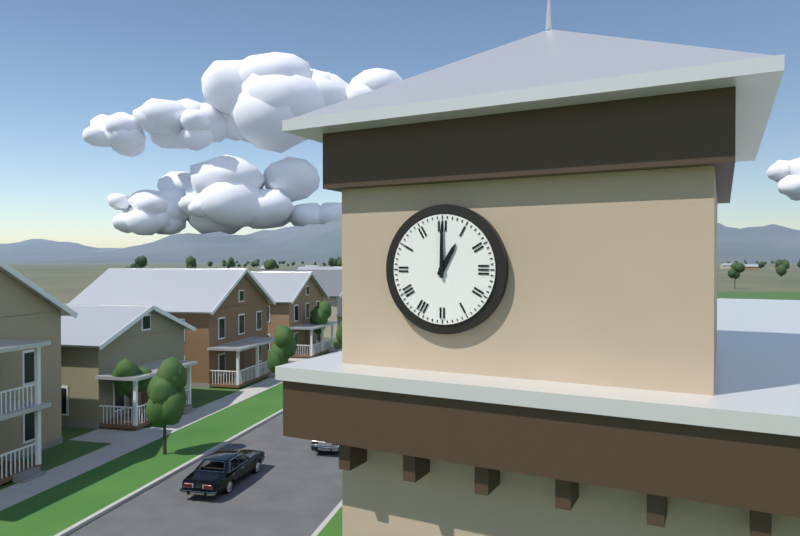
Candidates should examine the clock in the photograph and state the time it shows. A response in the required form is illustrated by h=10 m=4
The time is h=1 m=0
